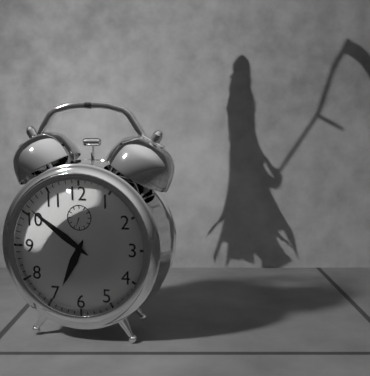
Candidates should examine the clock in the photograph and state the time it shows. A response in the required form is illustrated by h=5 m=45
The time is h=6 m=51
